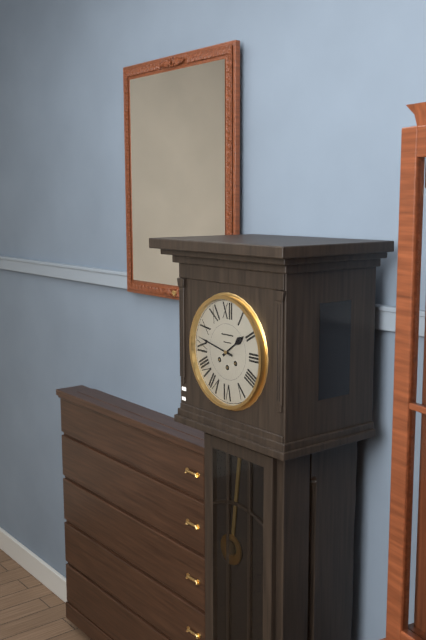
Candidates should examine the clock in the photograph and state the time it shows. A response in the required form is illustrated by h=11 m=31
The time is h=1 m=47
